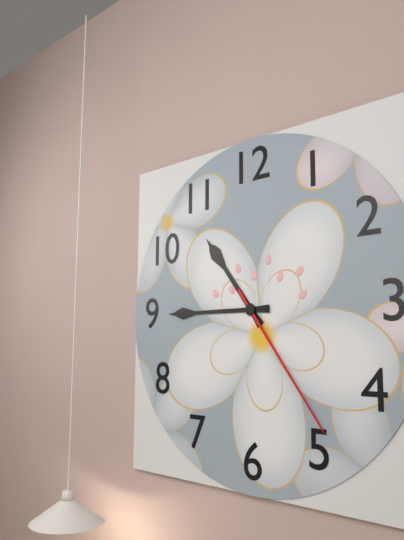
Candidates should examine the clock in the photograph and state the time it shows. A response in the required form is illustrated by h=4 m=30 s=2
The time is h=10 m=45 s=24
